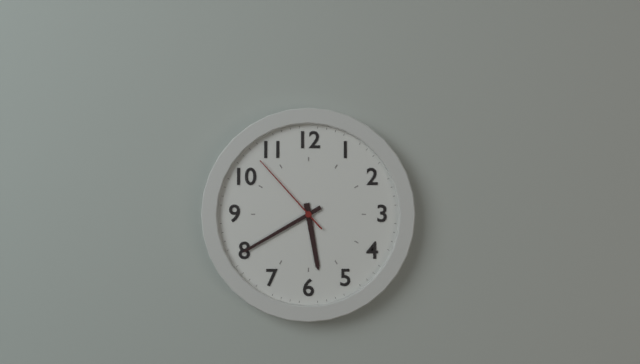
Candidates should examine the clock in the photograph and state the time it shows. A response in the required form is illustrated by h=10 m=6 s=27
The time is h=5 m=40 s=53
